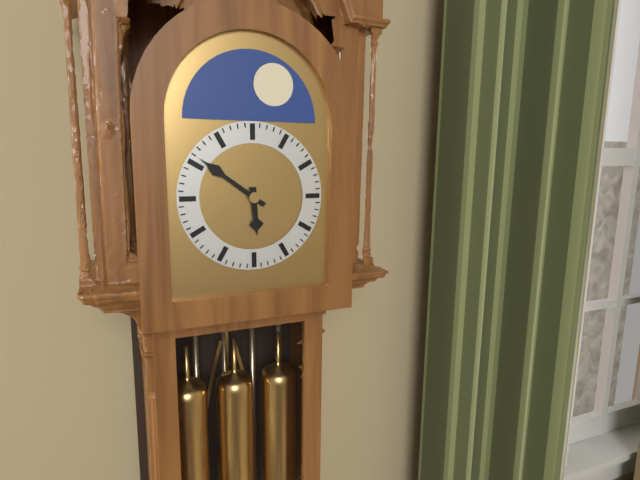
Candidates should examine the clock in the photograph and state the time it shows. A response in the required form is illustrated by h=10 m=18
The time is h=5 m=51
